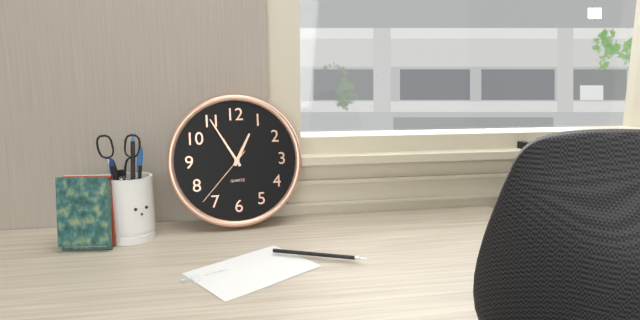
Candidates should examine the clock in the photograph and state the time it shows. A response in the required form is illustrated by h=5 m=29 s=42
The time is h=12 m=55 s=37
